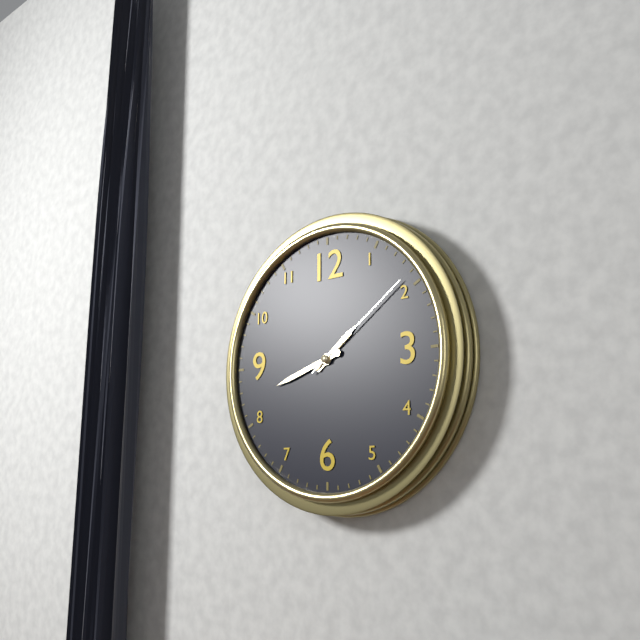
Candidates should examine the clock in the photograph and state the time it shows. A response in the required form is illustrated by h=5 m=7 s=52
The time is h=1 m=42 s=9
